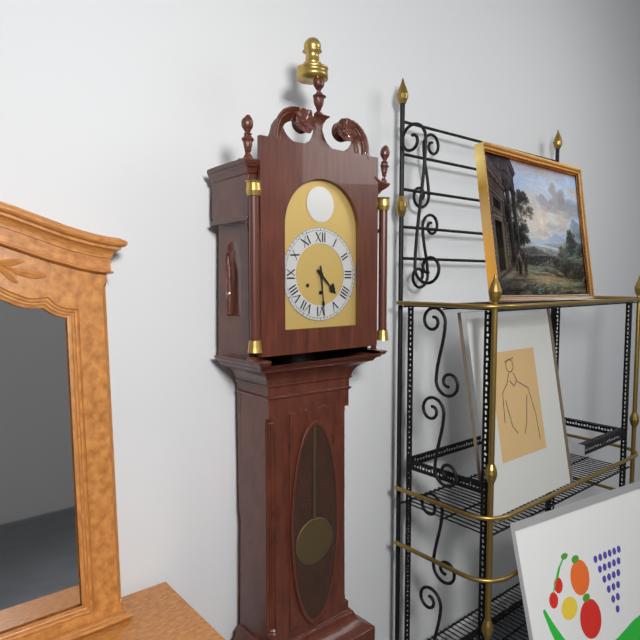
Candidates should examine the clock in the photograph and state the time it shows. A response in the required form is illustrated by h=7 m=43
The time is h=4 m=29
